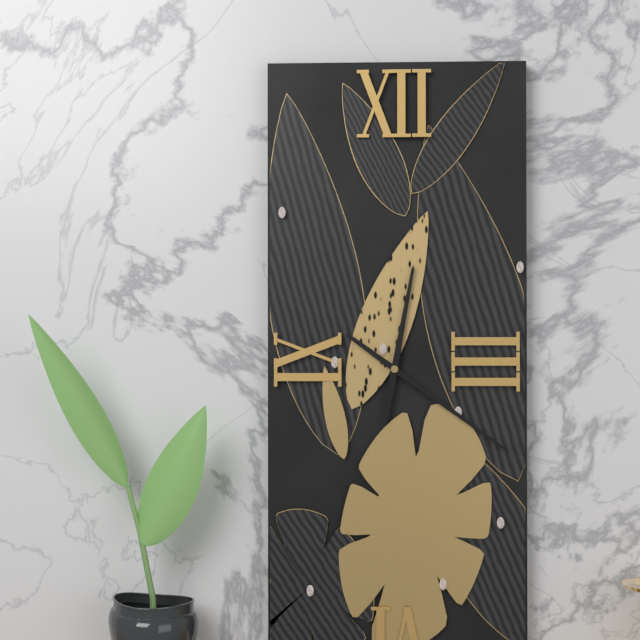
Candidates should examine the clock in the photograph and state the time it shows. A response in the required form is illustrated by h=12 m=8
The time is h=12 m=21
